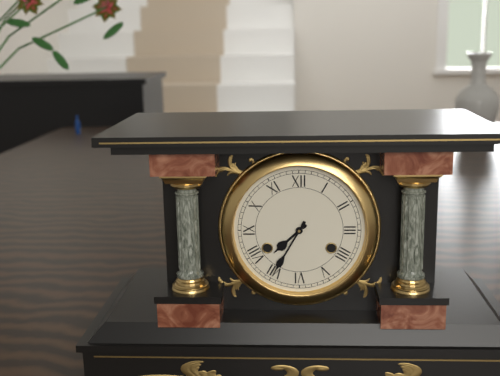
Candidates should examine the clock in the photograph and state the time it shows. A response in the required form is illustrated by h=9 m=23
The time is h=7 m=35
